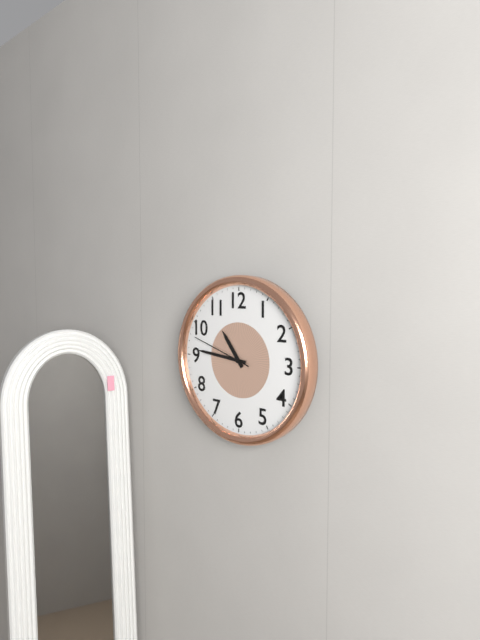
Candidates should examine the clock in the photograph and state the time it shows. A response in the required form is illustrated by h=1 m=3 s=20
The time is h=10 m=46 s=48
